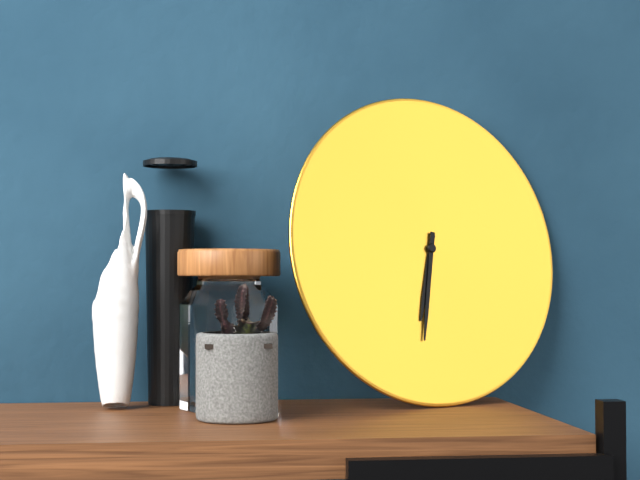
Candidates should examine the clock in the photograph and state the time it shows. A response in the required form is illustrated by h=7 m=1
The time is h=6 m=32
